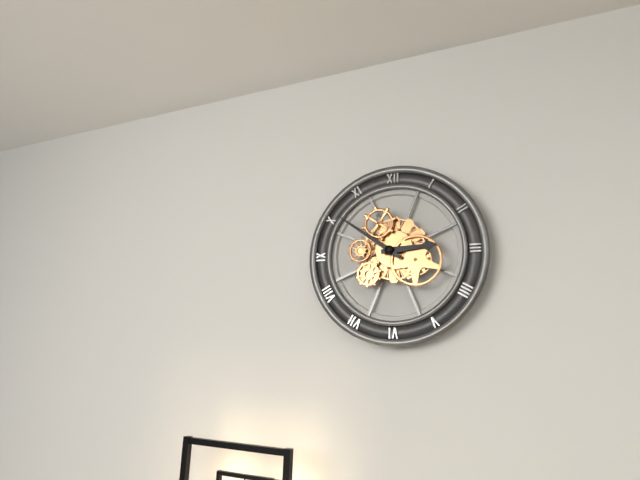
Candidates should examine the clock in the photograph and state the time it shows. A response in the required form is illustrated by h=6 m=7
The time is h=2 m=51
